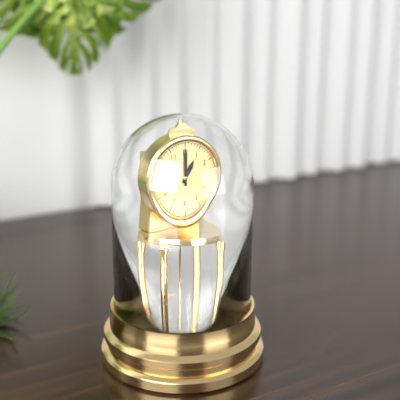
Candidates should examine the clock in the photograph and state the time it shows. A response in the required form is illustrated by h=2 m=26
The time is h=1 m=0
